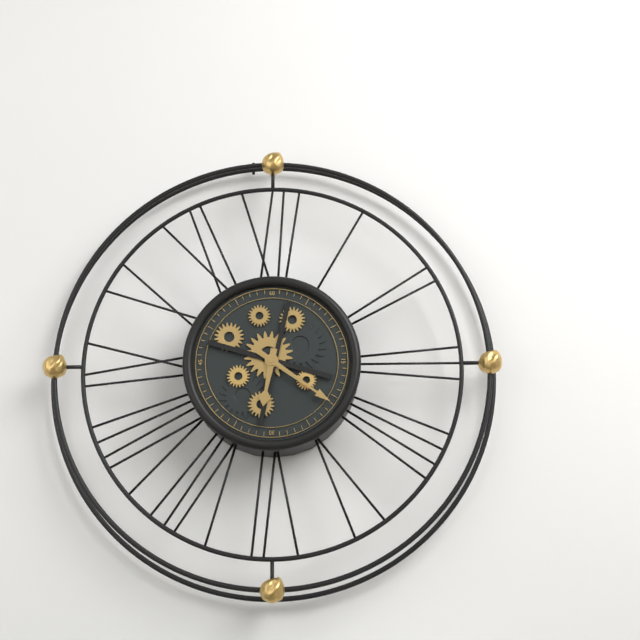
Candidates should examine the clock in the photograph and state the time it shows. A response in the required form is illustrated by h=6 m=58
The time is h=6 m=21
